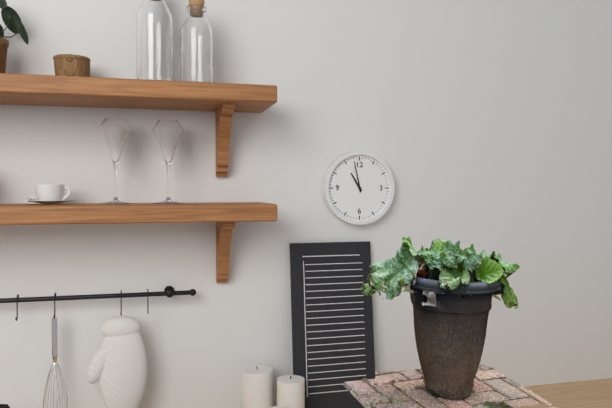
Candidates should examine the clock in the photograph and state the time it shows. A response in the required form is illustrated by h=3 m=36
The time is h=10 m=58
